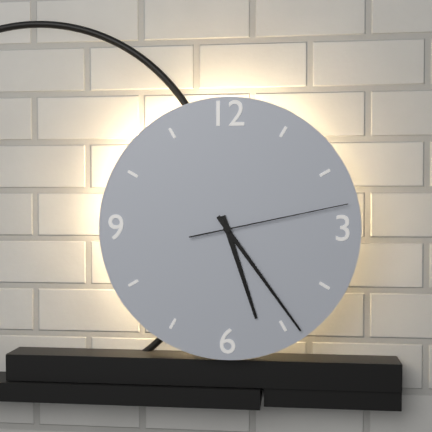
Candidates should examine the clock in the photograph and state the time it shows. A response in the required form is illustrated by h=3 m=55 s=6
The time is h=5 m=24 s=13
